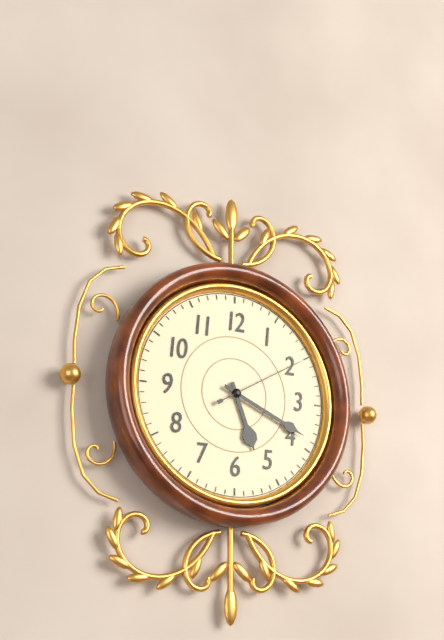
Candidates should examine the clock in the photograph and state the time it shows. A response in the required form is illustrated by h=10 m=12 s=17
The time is h=5 m=19 s=10
